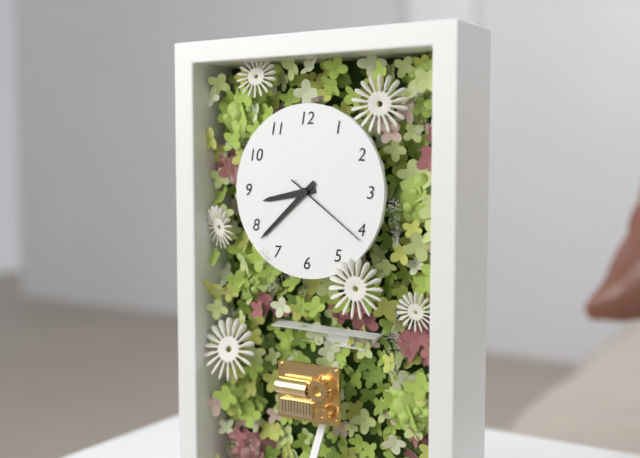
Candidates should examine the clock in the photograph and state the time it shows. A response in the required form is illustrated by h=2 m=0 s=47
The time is h=8 m=38 s=21
